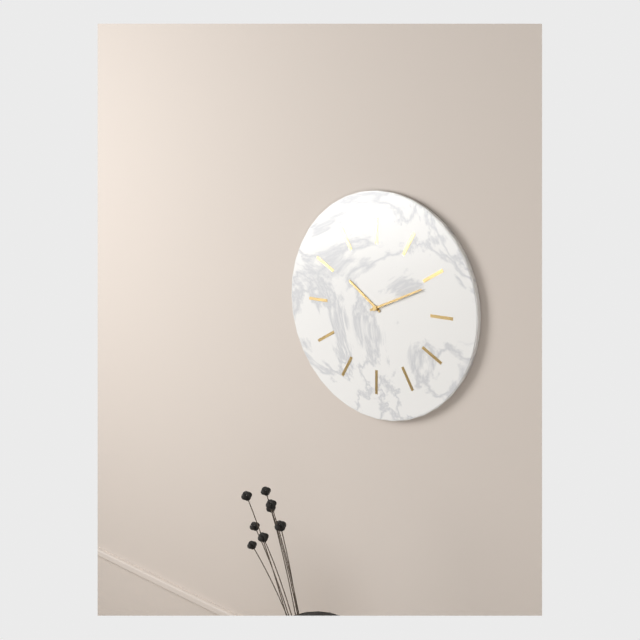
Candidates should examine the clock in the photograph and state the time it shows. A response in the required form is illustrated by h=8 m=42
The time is h=10 m=11
